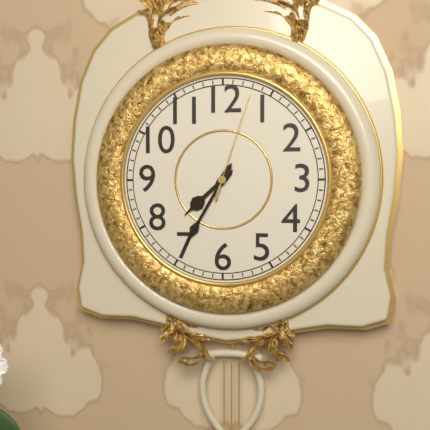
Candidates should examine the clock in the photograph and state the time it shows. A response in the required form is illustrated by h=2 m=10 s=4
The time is h=7 m=35 s=3
